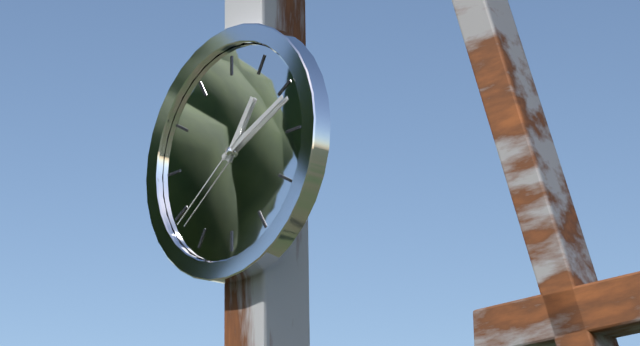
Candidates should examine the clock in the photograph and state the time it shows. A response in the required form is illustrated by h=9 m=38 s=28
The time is h=1 m=11 s=39
